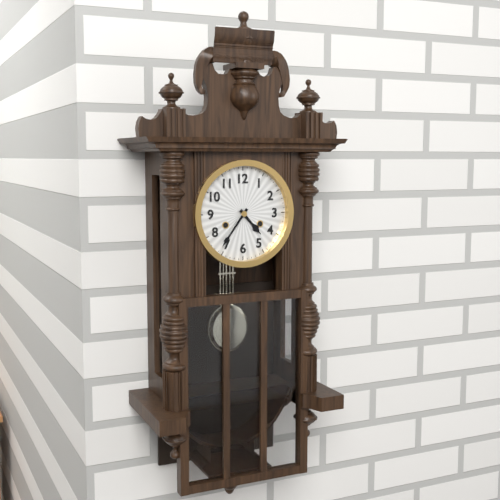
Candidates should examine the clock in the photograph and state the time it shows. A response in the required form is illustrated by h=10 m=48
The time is h=4 m=36
